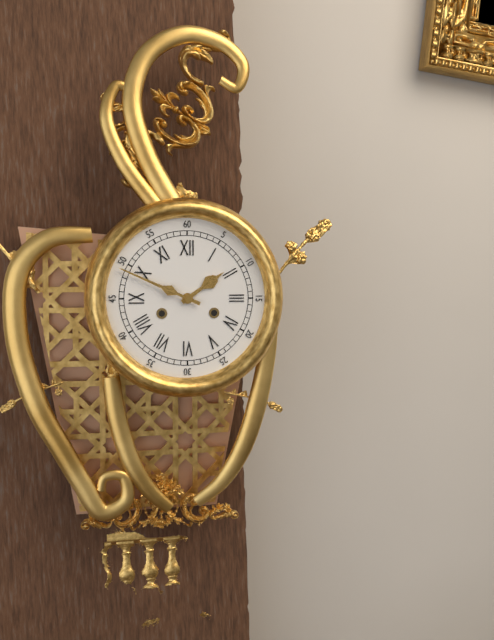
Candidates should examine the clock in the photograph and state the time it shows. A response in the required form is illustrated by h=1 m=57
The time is h=1 m=49
